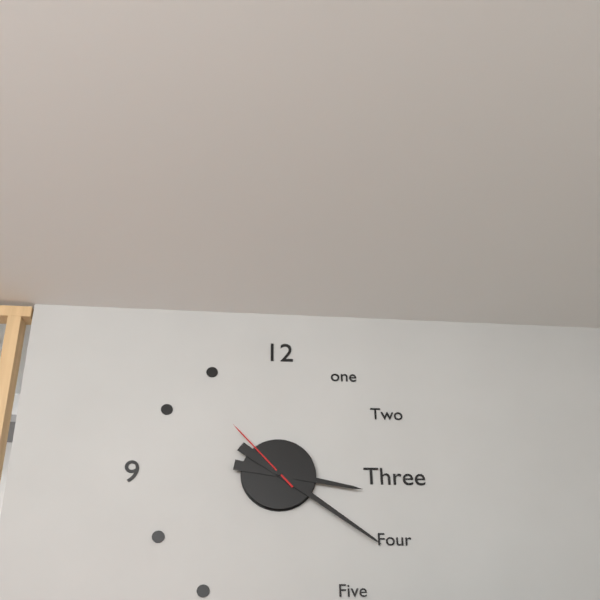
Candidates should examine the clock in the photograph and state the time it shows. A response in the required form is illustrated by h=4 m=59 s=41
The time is h=3 m=21 s=53
